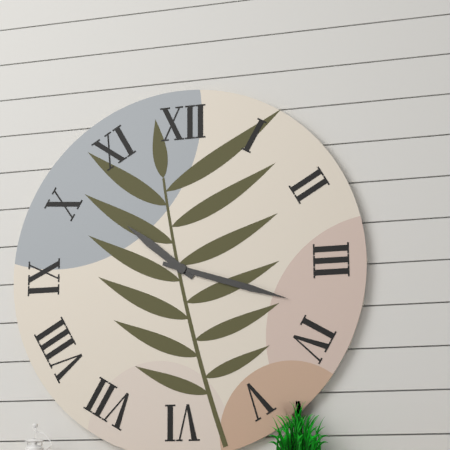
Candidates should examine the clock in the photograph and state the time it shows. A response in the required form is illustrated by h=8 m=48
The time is h=10 m=18
